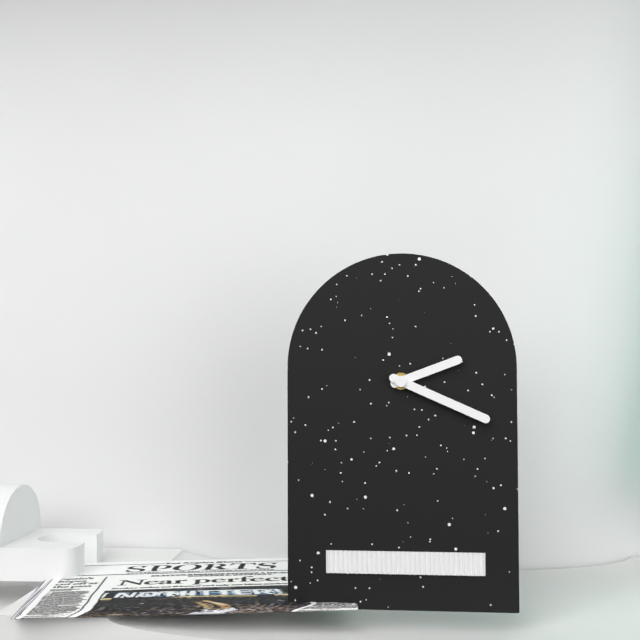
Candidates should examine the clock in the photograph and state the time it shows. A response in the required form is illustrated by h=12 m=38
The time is h=2 m=19
